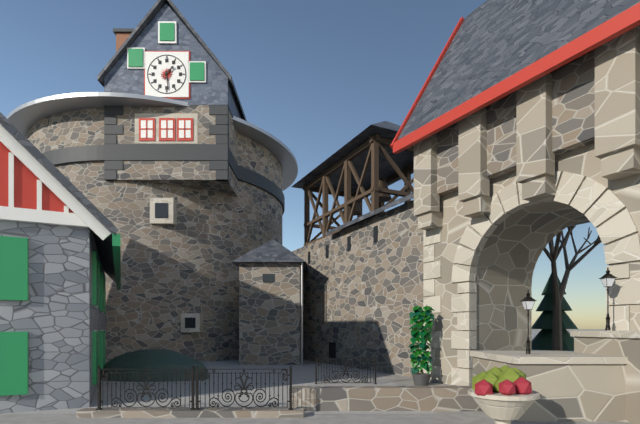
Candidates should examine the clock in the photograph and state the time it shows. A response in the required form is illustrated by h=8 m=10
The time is h=1 m=29
